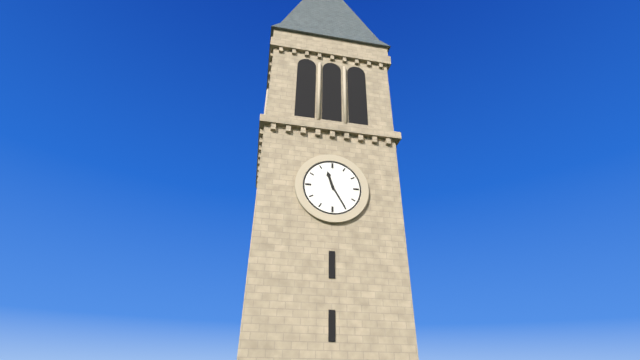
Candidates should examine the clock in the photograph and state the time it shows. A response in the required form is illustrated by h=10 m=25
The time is h=11 m=25
